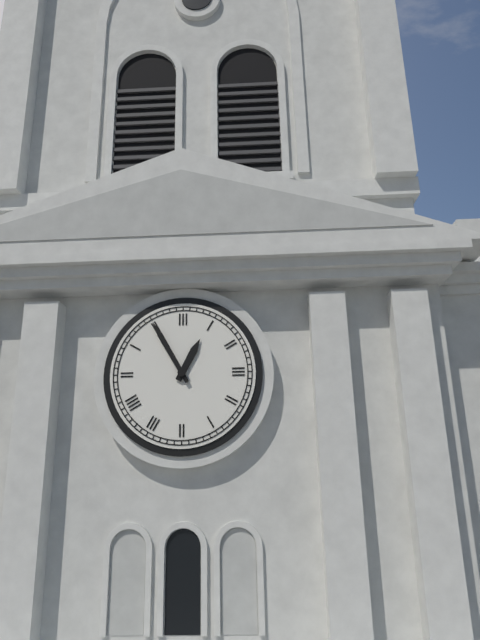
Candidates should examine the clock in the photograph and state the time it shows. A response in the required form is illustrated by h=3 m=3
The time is h=12 m=55
